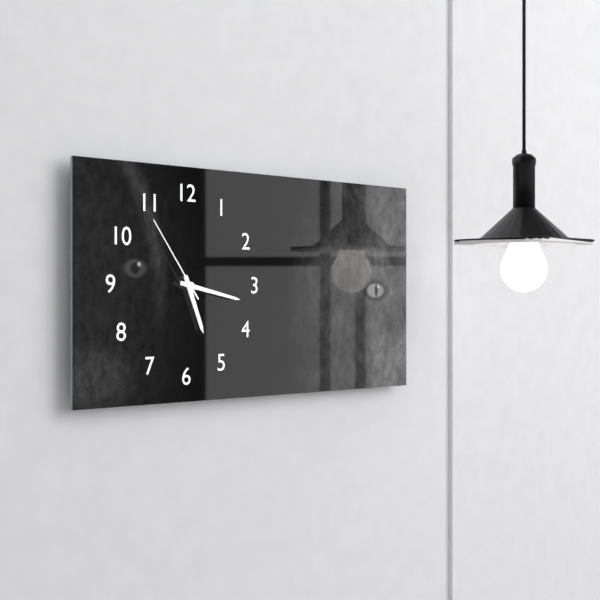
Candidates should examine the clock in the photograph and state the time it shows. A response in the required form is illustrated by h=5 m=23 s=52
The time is h=5 m=17 s=54
